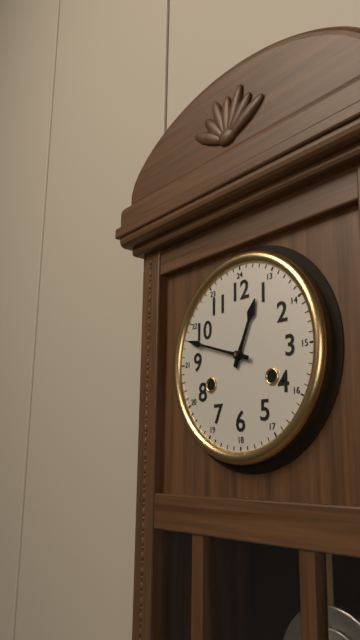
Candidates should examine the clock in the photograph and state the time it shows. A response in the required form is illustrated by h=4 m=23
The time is h=12 m=48
